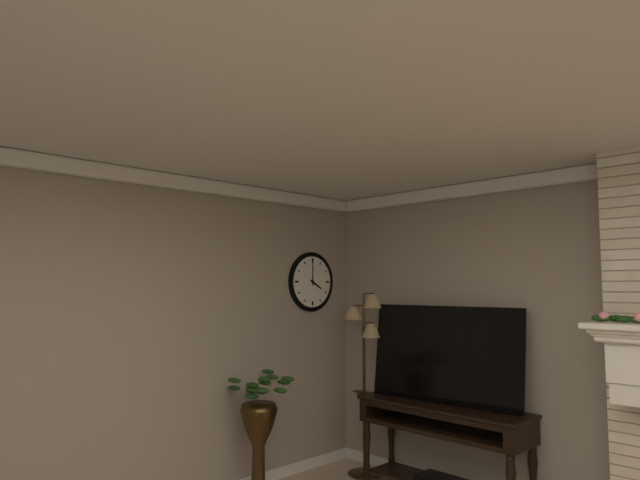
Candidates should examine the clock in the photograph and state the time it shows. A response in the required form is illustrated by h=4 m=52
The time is h=4 m=0
